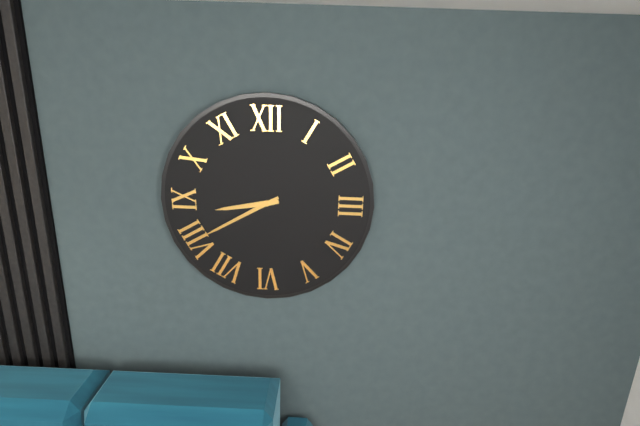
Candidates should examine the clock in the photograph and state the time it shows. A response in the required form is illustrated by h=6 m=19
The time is h=8 m=40
